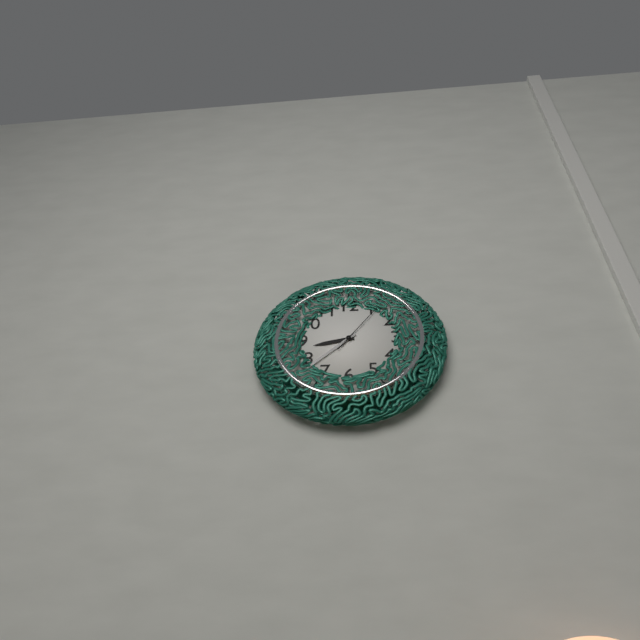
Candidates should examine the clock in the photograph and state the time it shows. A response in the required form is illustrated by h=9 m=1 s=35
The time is h=8 m=38 s=6
